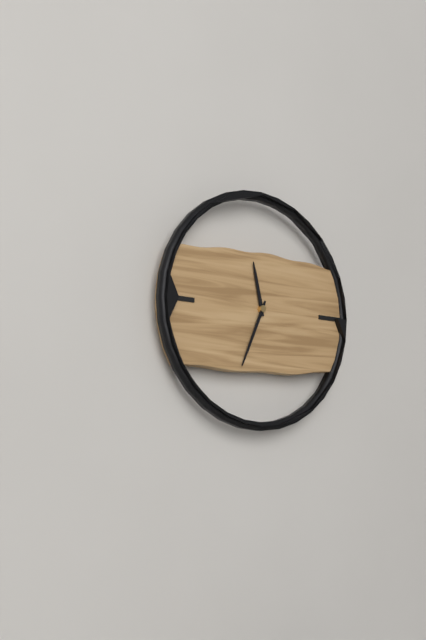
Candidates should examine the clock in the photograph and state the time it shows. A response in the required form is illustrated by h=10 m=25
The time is h=11 m=34
